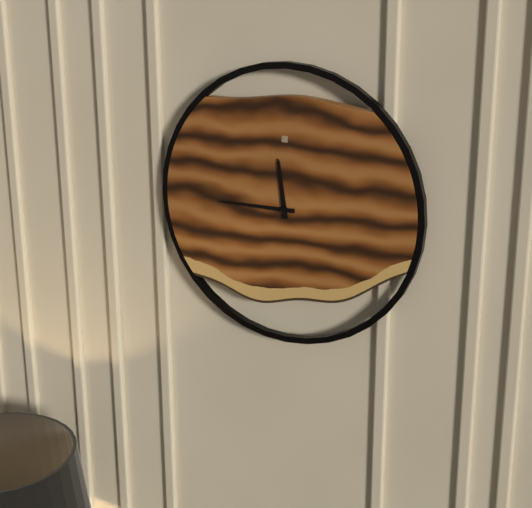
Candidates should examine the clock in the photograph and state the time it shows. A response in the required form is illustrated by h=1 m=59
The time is h=11 m=45
